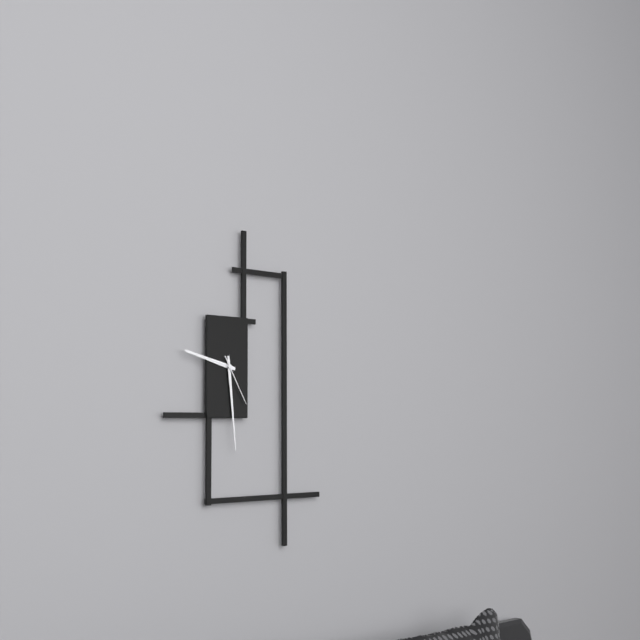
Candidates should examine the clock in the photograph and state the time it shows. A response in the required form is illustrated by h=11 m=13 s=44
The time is h=9 m=29 s=25
